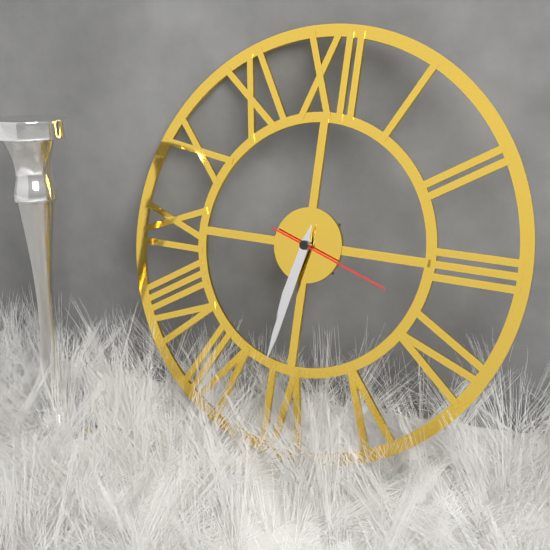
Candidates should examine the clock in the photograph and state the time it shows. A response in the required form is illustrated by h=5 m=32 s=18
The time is h=6 m=32 s=18
